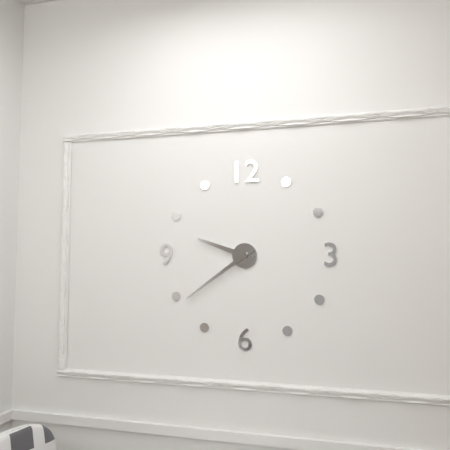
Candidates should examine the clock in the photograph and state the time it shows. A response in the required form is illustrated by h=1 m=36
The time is h=9 m=39
